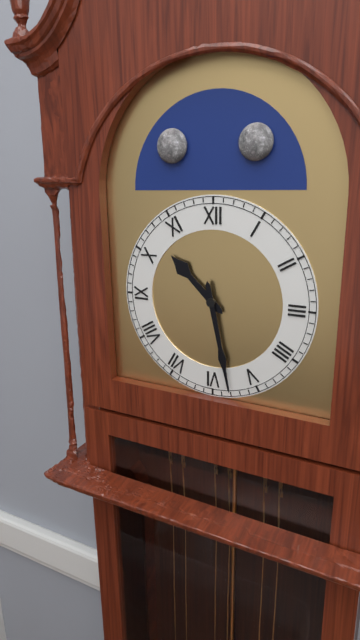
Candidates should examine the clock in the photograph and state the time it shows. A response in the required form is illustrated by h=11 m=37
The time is h=10 m=28
